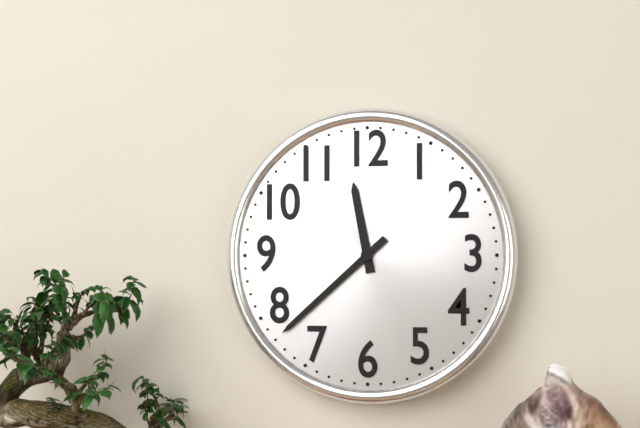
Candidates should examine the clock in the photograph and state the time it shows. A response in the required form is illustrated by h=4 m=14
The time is h=11 m=38
